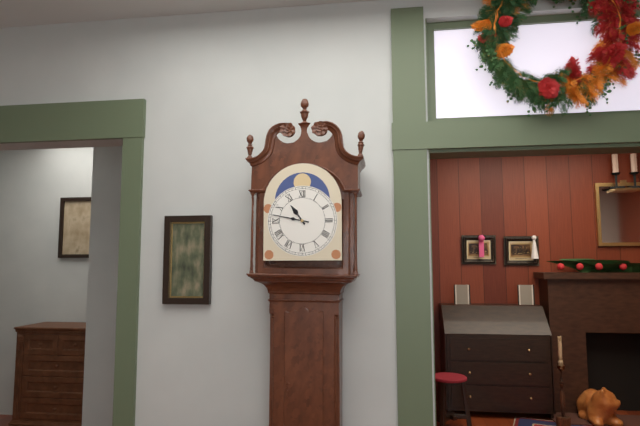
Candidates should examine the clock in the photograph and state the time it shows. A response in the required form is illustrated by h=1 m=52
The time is h=10 m=47
